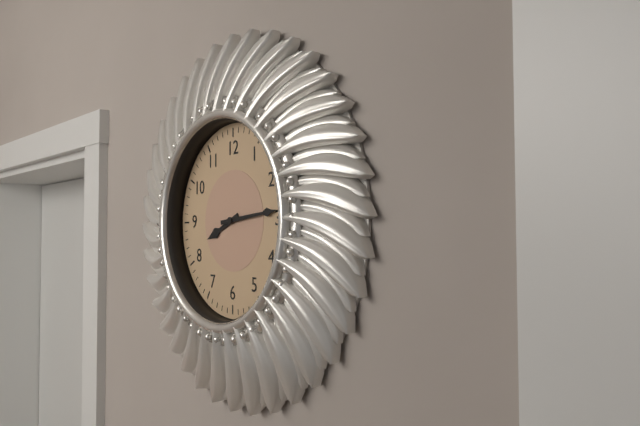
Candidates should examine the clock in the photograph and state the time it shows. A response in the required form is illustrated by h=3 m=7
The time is h=8 m=14
